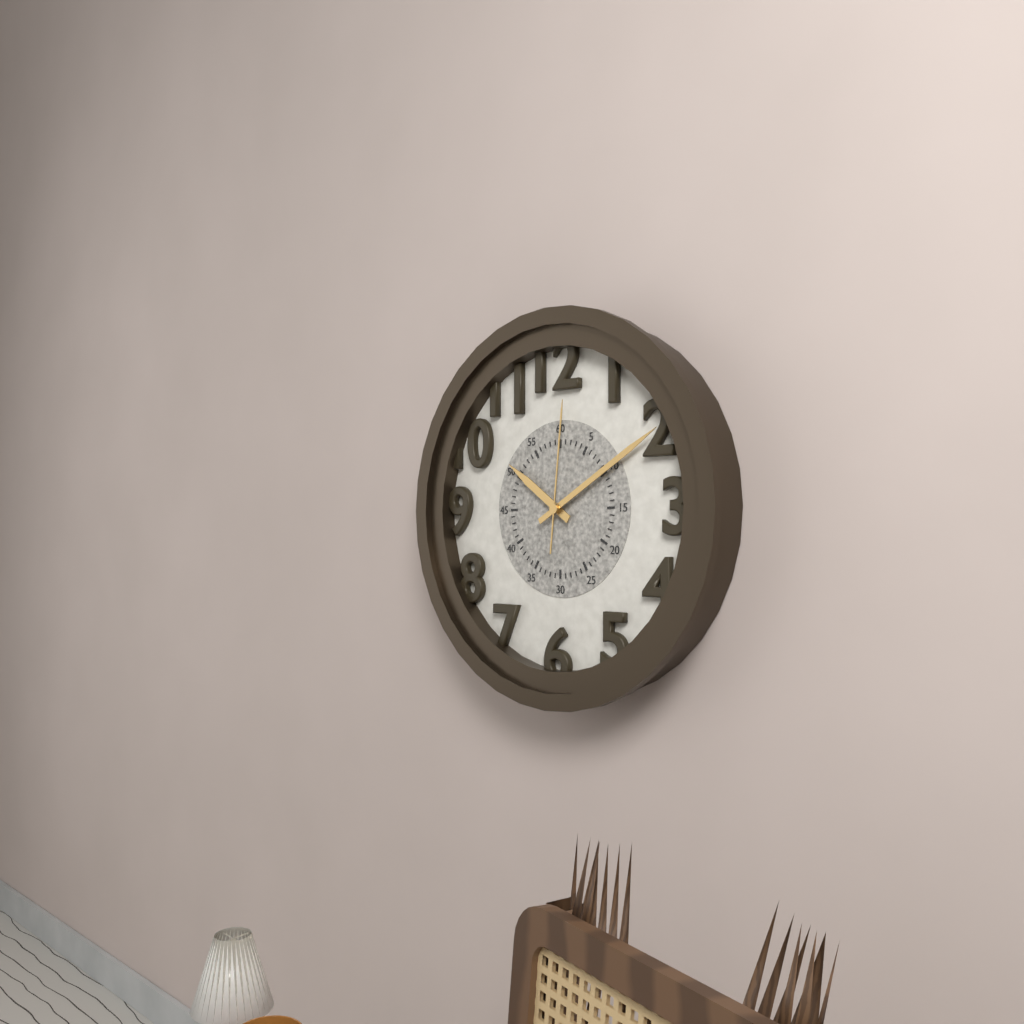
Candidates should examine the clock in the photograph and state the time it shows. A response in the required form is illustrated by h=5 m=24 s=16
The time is h=10 m=10 s=1
